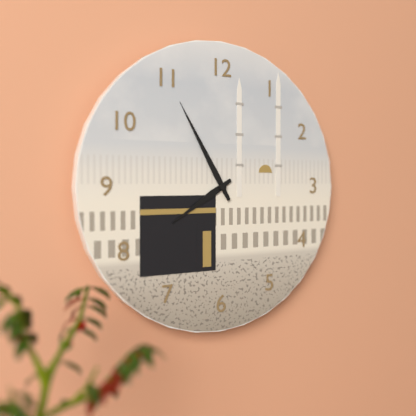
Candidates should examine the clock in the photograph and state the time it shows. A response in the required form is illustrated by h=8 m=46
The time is h=7 m=55
